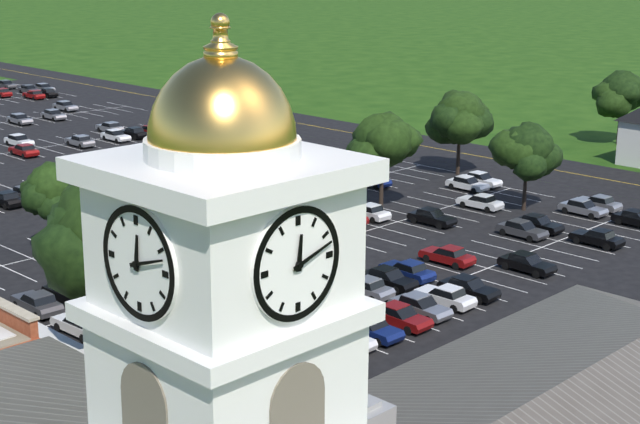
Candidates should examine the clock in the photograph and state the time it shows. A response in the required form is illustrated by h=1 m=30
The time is h=12 m=12
